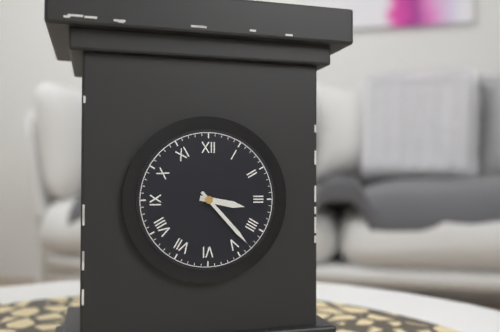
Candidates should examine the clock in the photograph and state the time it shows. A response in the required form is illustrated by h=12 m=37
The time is h=3 m=23
